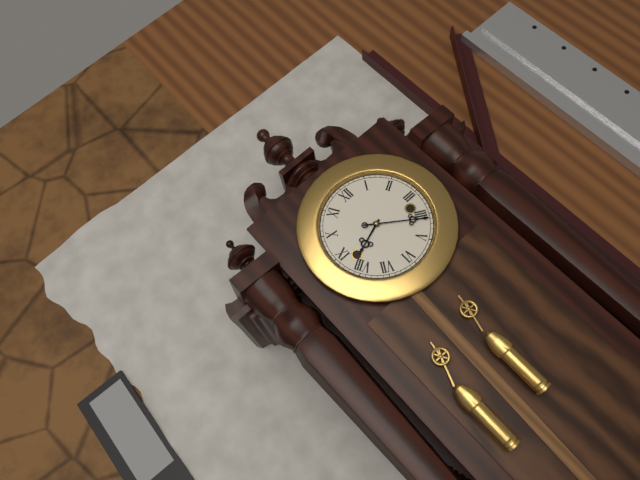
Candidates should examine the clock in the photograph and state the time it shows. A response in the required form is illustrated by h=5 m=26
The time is h=8 m=21
